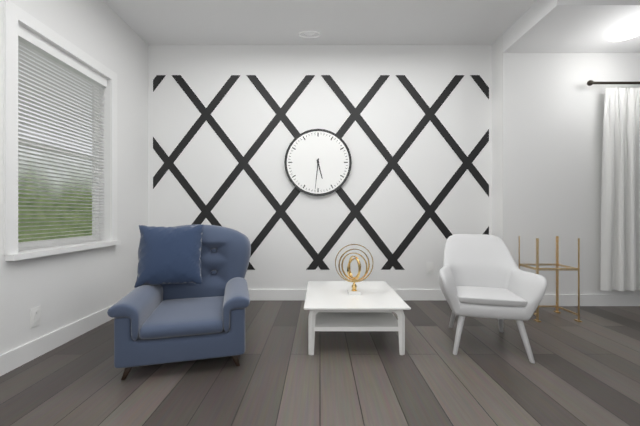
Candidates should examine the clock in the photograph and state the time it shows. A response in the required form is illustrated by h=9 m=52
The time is h=5 m=31
